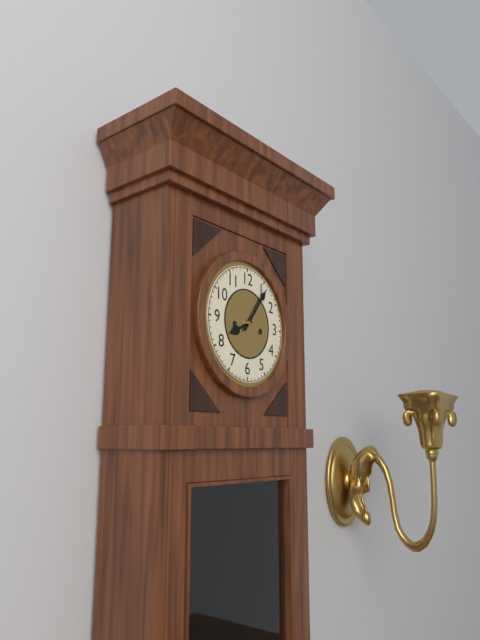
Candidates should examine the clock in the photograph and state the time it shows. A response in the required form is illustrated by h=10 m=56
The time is h=8 m=6
